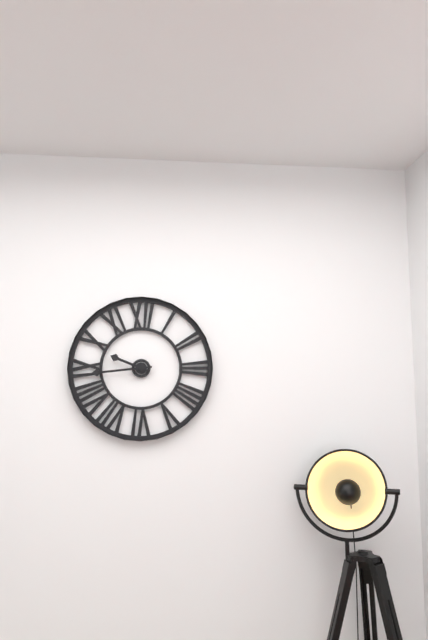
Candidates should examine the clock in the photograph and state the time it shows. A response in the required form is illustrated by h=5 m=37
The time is h=9 m=44
